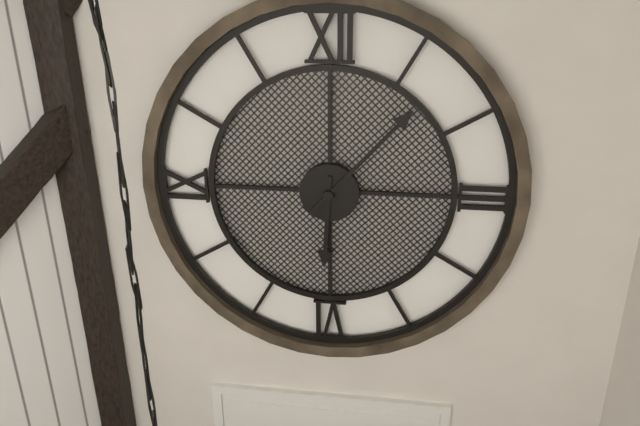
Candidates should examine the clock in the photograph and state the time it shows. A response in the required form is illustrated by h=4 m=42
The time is h=6 m=7
